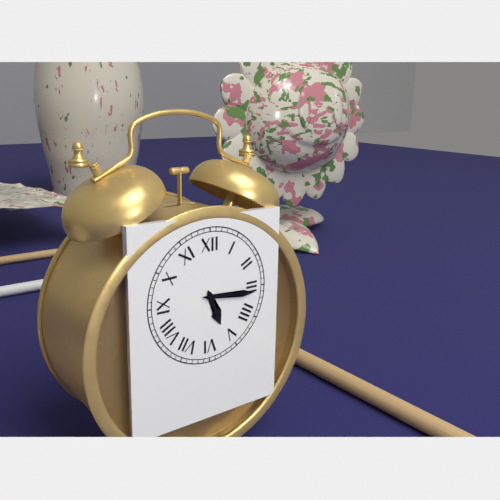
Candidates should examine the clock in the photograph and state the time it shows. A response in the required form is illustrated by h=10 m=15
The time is h=5 m=16
